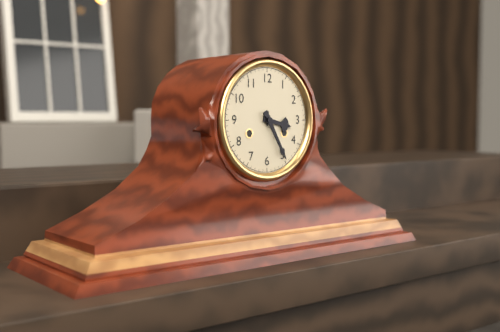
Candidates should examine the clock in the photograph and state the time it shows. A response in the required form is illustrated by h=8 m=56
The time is h=3 m=25
